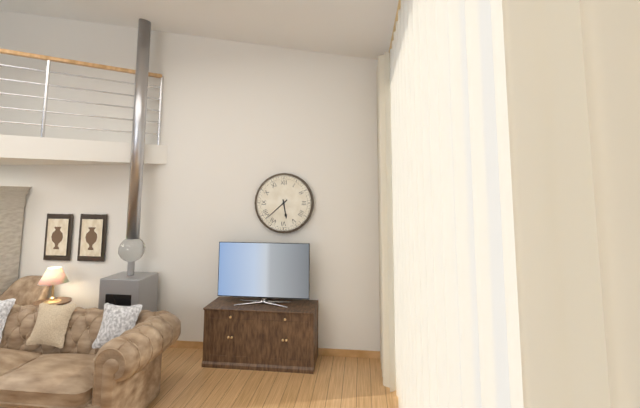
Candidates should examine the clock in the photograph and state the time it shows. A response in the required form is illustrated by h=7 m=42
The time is h=5 m=38
